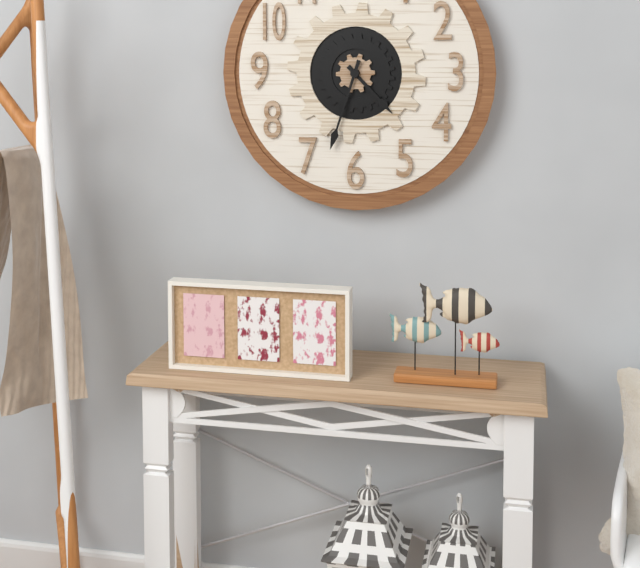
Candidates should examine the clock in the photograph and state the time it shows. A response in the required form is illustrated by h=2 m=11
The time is h=4 m=33
